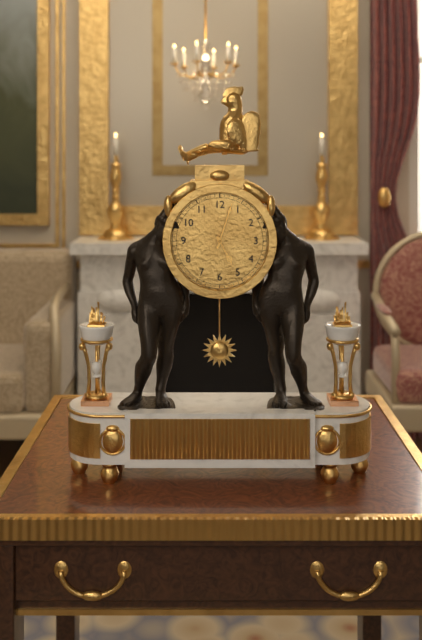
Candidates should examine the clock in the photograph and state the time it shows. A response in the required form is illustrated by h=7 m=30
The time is h=5 m=3
